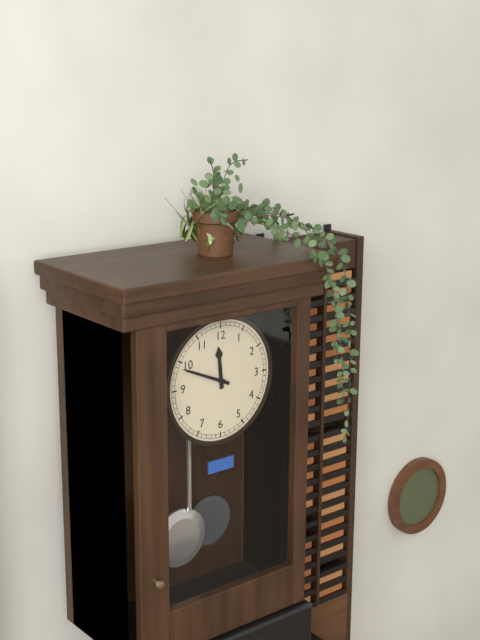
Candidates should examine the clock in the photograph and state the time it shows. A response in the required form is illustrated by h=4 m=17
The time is h=11 m=49
